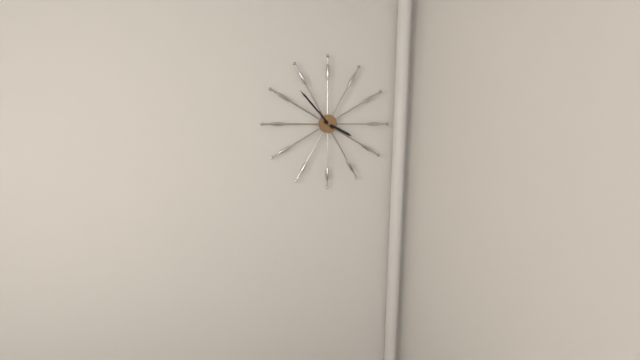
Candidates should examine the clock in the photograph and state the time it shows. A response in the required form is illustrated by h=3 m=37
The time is h=3 m=53
